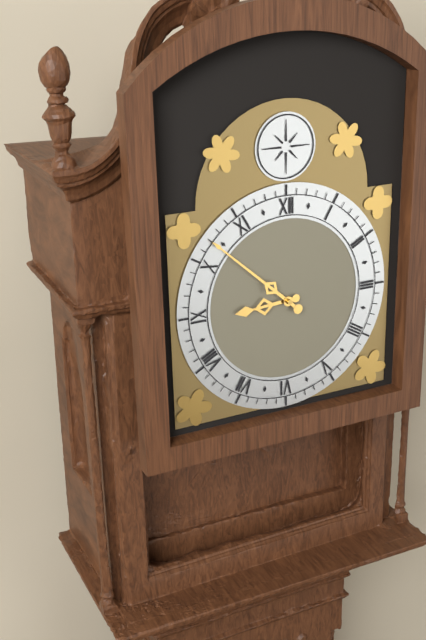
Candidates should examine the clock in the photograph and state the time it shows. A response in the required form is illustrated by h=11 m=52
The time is h=8 m=52
